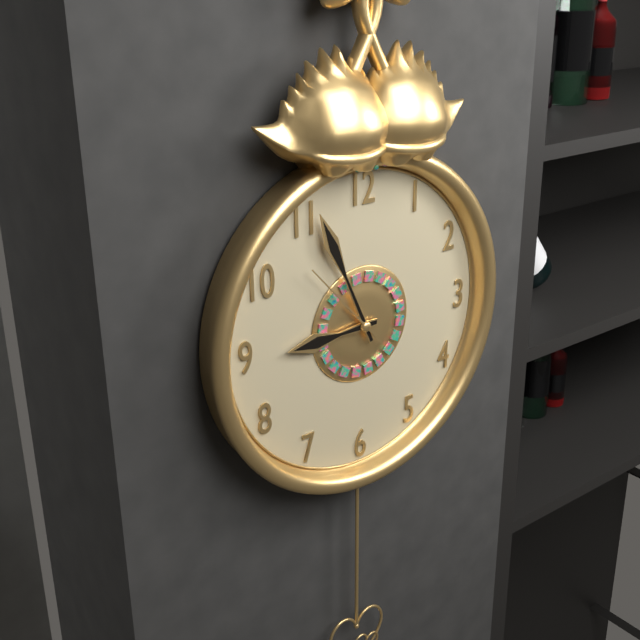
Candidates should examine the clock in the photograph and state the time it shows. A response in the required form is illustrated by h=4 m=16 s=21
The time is h=8 m=56 s=53
